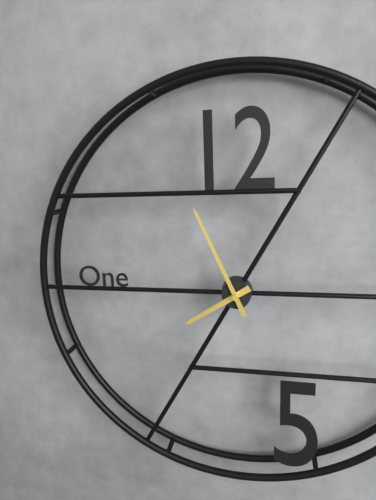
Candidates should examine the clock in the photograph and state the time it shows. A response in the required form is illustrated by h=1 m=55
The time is h=7 m=56
